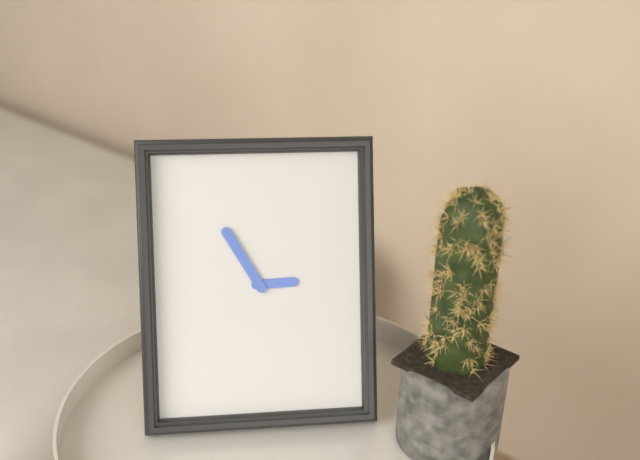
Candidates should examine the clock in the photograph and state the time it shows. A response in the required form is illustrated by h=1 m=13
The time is h=2 m=55
